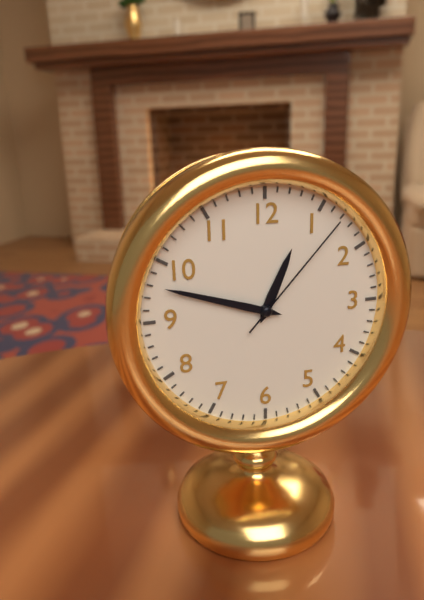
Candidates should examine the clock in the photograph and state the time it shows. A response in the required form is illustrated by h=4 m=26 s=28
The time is h=12 m=48 s=7
